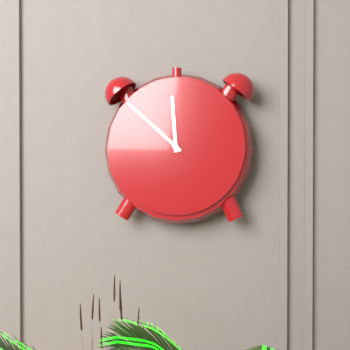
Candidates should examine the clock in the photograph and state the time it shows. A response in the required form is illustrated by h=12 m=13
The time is h=11 m=52
